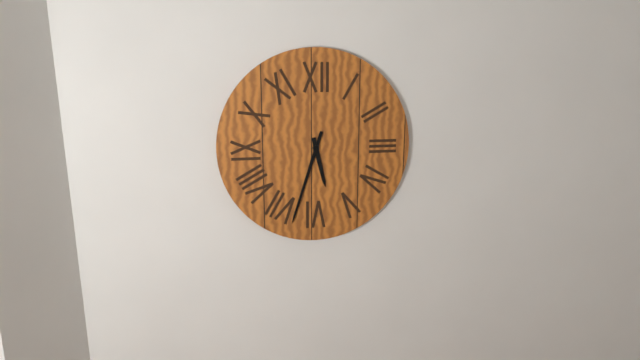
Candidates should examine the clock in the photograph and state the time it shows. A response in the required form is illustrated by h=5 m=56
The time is h=5 m=33
